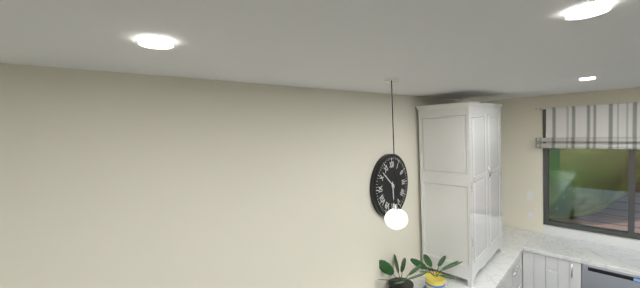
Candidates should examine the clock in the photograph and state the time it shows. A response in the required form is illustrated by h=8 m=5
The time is h=5 m=52
